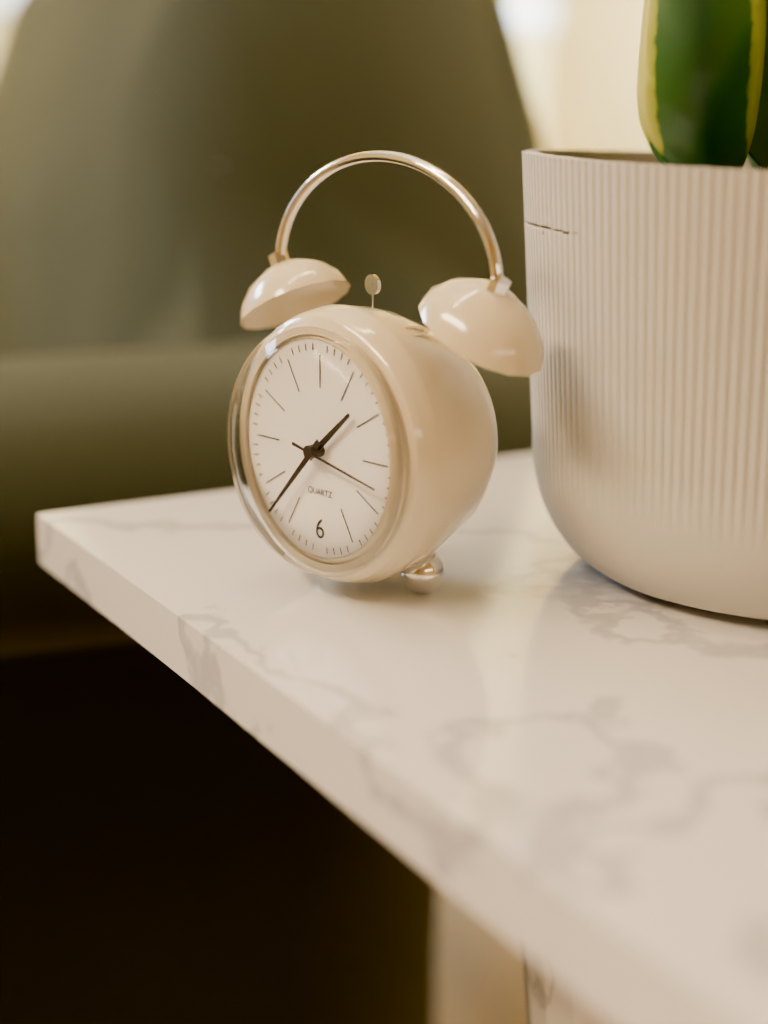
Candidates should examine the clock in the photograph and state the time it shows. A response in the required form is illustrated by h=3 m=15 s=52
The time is h=1 m=37 s=17
